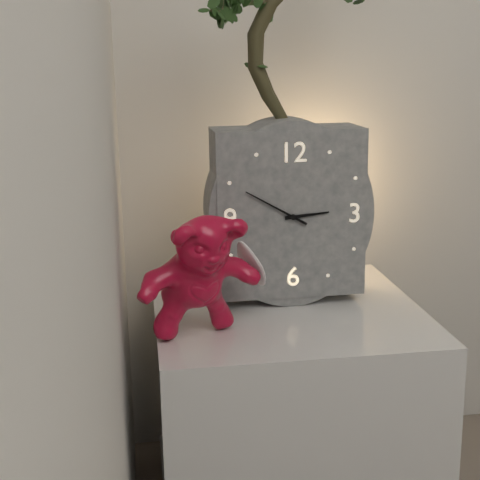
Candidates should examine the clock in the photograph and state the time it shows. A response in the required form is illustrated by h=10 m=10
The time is h=2 m=50
